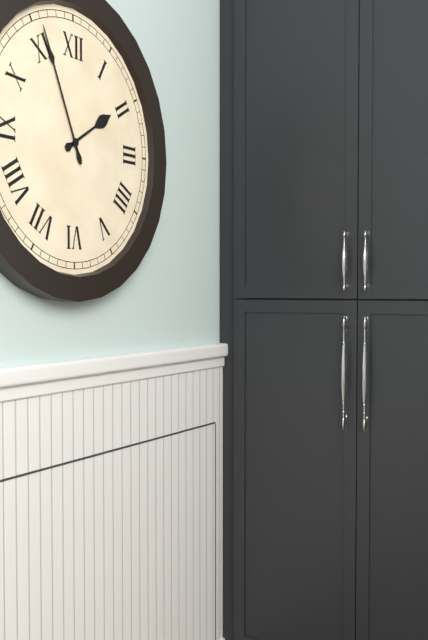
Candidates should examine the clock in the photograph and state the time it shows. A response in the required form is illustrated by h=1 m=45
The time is h=1 m=56
